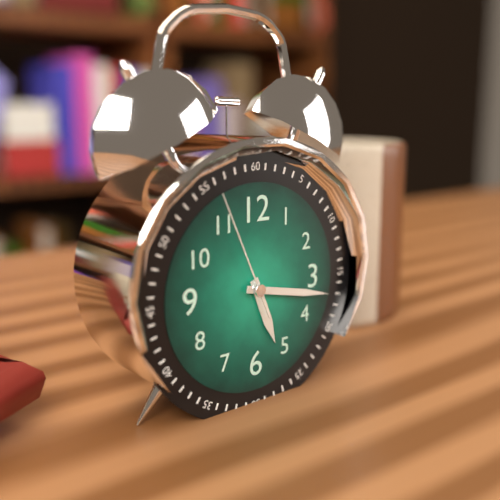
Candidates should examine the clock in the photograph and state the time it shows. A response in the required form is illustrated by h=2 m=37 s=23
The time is h=5 m=17 s=56
